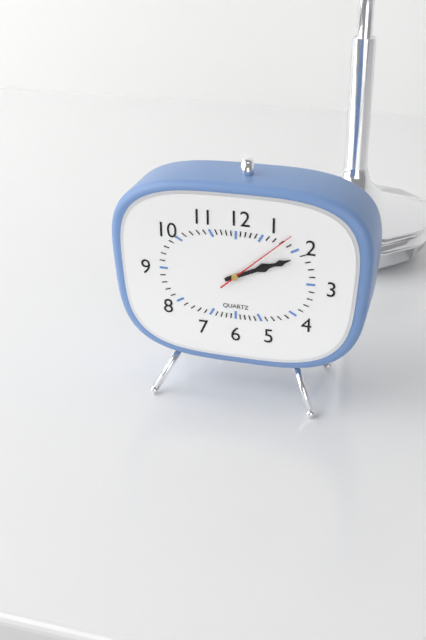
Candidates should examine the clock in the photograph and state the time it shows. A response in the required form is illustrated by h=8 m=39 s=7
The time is h=2 m=11 s=8
